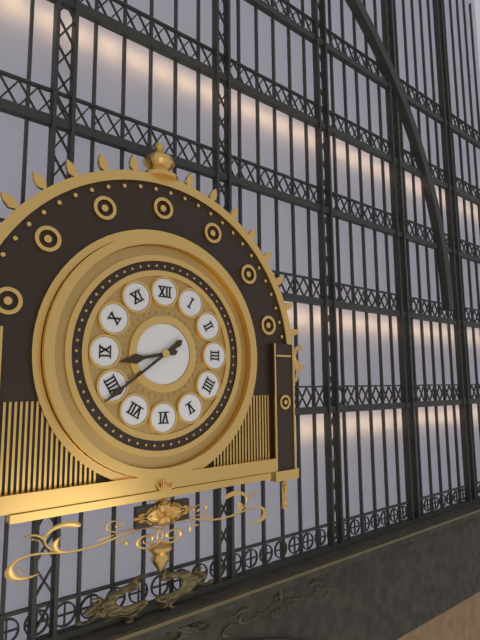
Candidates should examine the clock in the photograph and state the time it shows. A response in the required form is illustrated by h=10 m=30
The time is h=8 m=39
